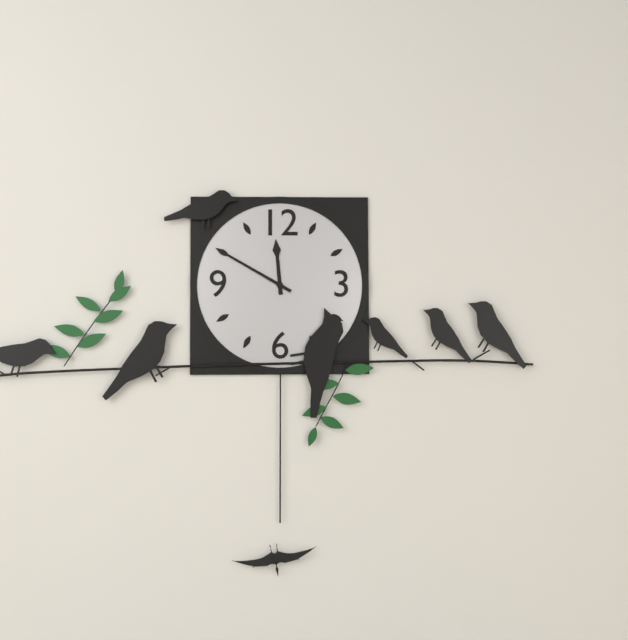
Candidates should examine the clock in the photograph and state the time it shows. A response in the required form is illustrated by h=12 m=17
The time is h=11 m=50
